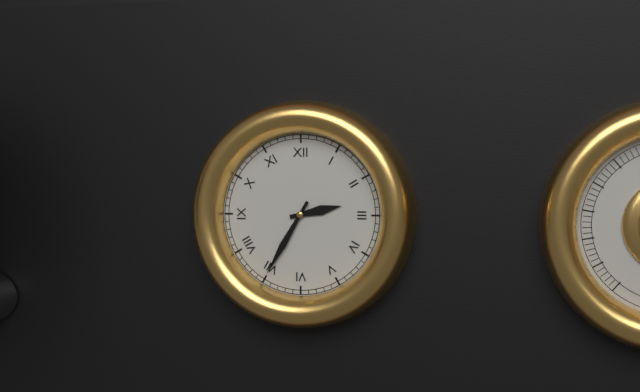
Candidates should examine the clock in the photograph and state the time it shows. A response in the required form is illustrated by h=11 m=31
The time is h=2 m=35
